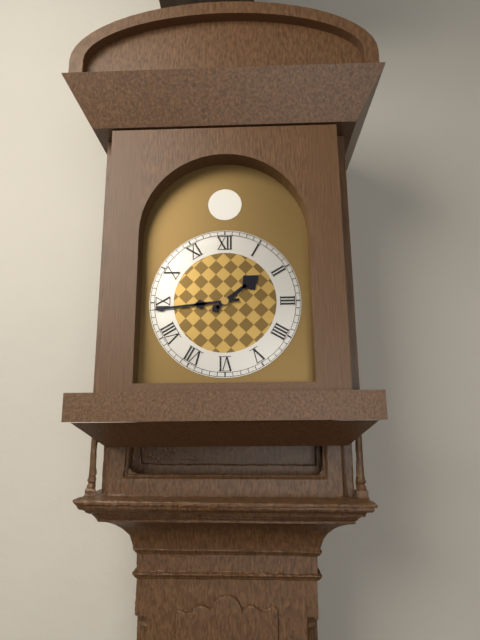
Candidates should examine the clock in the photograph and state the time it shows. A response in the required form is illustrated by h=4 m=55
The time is h=1 m=44
